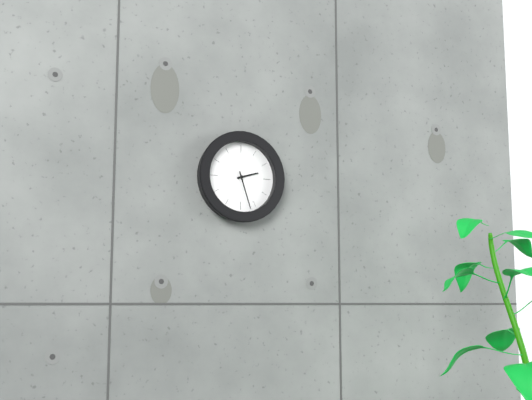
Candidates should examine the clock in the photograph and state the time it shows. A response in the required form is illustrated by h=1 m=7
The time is h=2 m=27
